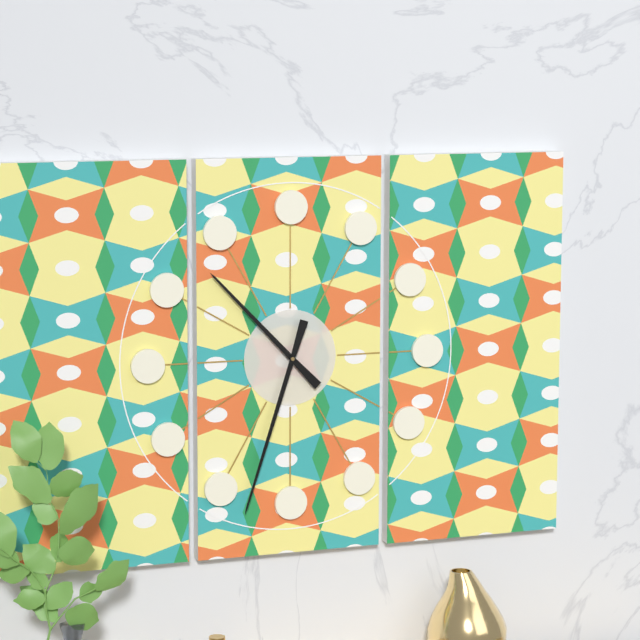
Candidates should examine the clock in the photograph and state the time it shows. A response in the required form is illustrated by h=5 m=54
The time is h=10 m=33
